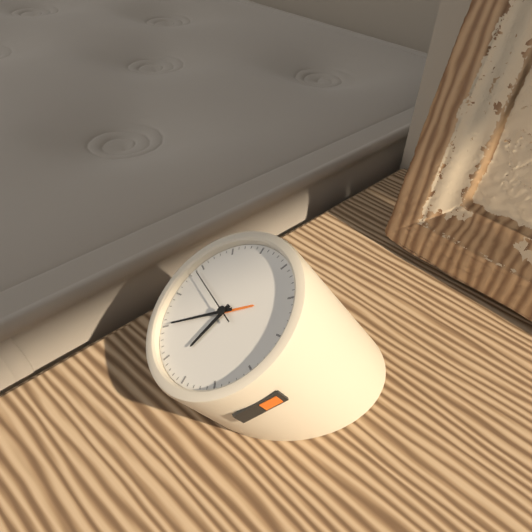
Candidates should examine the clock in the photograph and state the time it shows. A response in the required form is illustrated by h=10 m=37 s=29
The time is h=5 m=35 s=44
